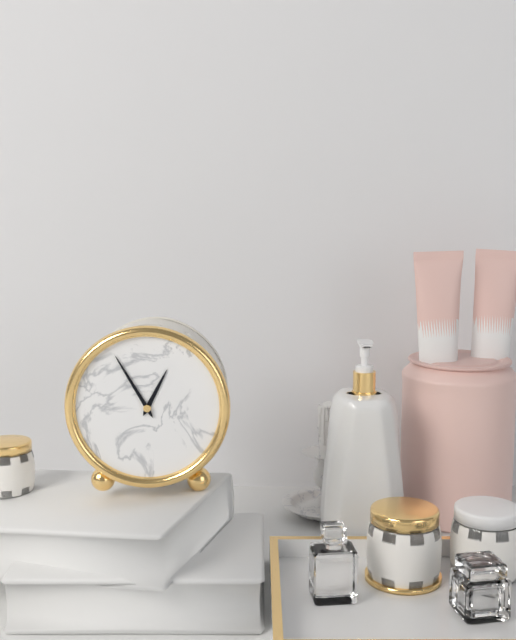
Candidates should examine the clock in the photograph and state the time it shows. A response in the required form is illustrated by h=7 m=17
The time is h=12 m=55
